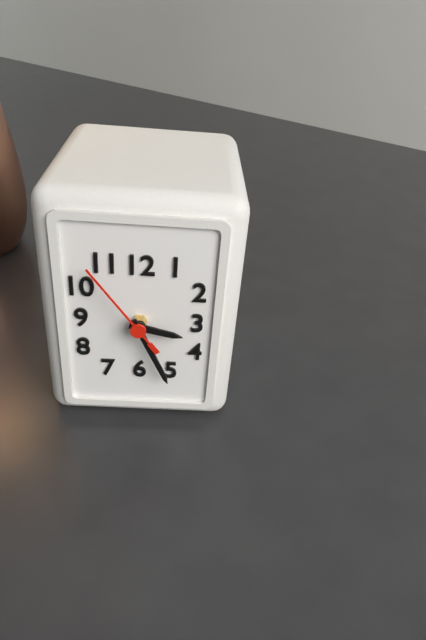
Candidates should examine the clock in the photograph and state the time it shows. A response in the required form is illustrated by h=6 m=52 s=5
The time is h=3 m=26 s=54
